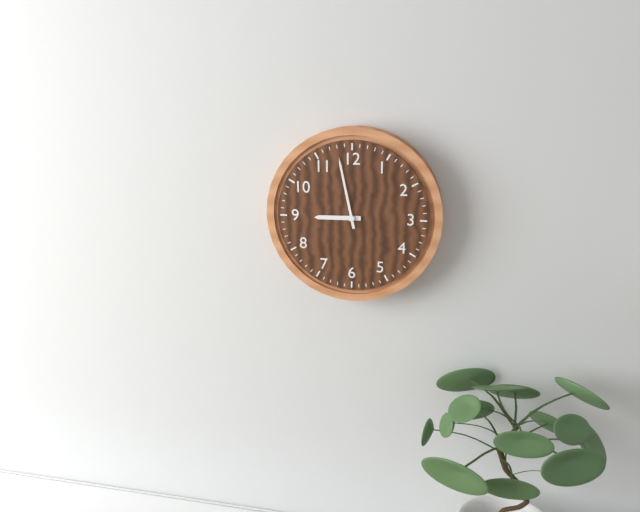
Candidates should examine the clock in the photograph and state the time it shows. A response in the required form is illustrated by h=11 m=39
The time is h=8 m=58
